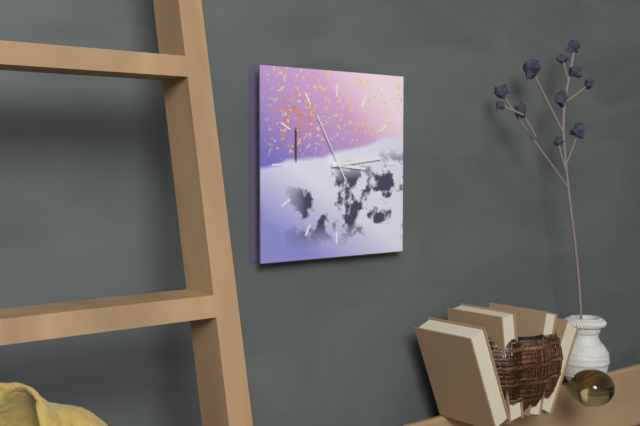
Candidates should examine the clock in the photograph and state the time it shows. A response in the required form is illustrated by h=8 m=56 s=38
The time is h=3 m=14 s=55
